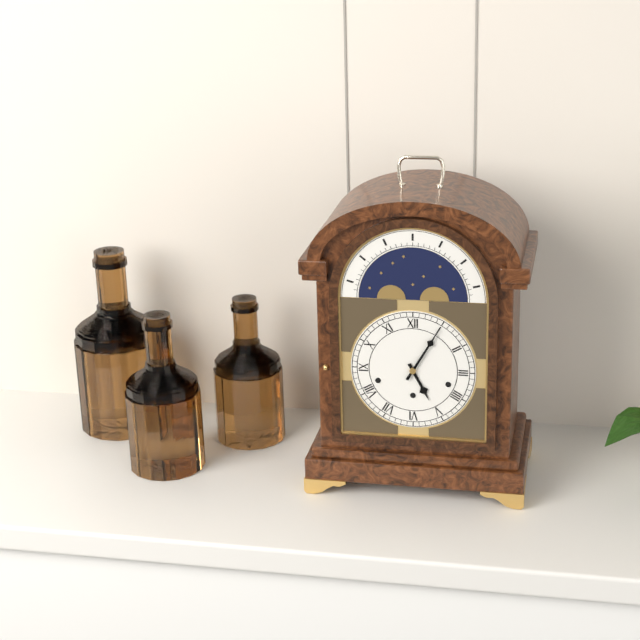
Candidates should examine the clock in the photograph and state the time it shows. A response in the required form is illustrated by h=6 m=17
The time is h=5 m=5
